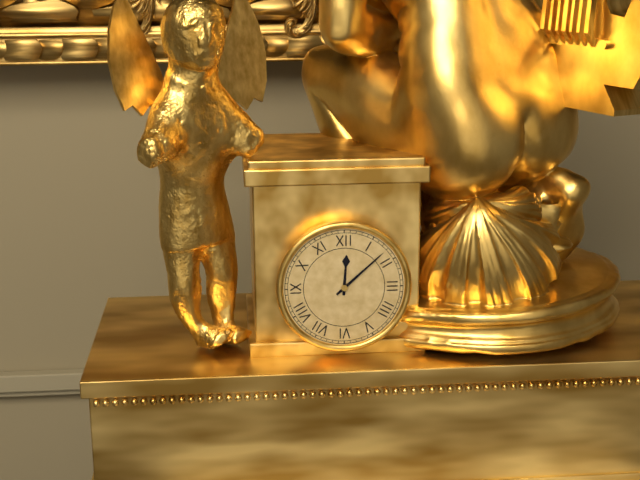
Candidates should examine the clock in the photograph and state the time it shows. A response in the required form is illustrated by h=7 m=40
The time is h=12 m=8
